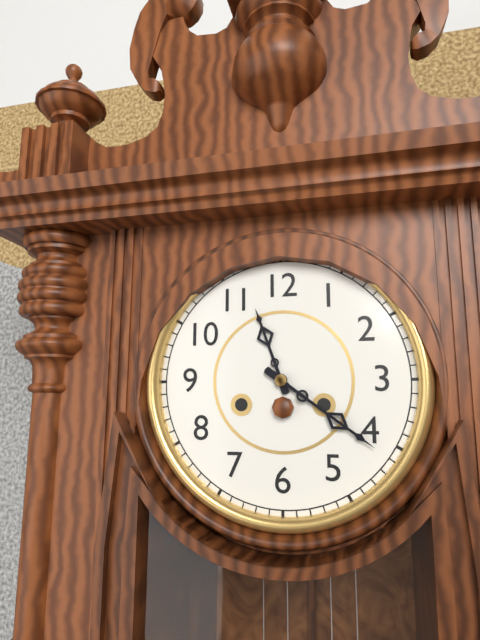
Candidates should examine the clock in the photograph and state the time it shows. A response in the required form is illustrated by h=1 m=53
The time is h=11 m=21
